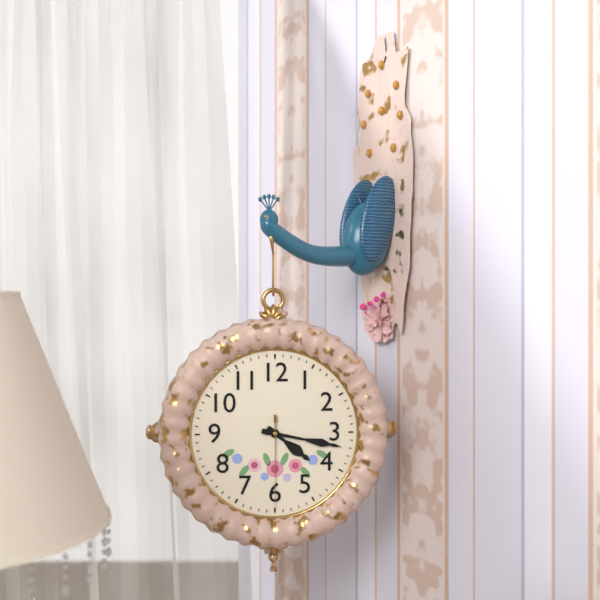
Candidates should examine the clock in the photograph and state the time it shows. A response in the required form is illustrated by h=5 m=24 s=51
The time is h=4 m=17 s=30
